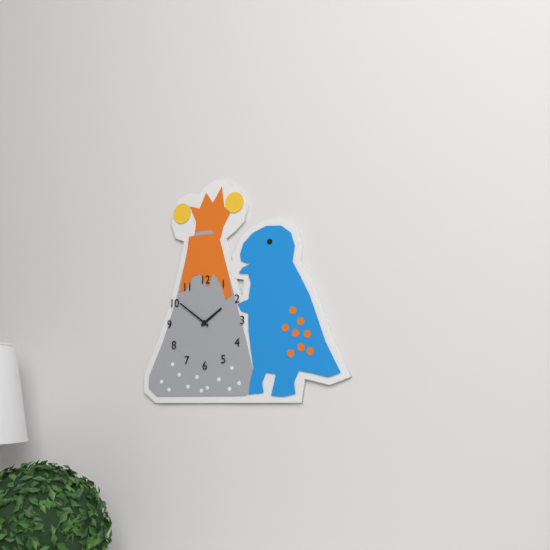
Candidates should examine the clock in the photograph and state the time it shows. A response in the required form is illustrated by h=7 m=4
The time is h=1 m=51
